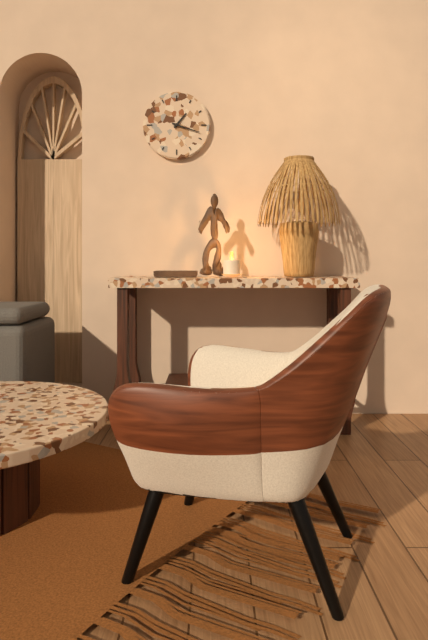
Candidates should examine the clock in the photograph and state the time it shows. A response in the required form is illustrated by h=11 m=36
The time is h=1 m=18
